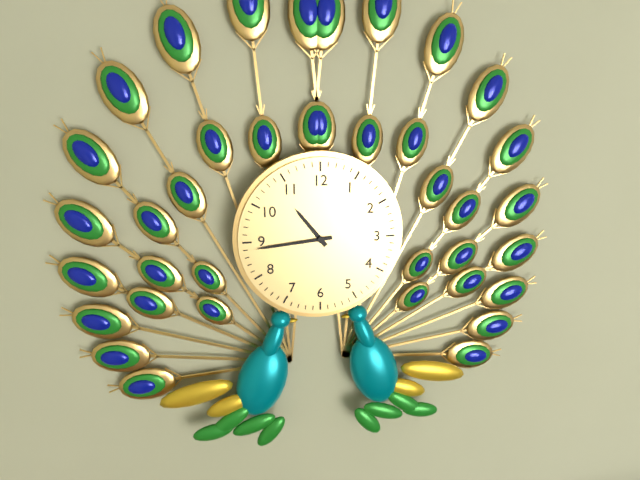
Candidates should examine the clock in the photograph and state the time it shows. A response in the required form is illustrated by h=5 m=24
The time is h=10 m=44
